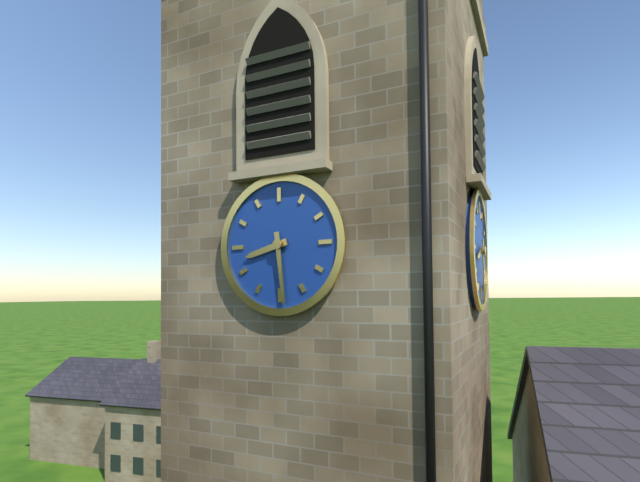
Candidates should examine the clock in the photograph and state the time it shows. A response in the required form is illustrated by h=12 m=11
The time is h=8 m=29
